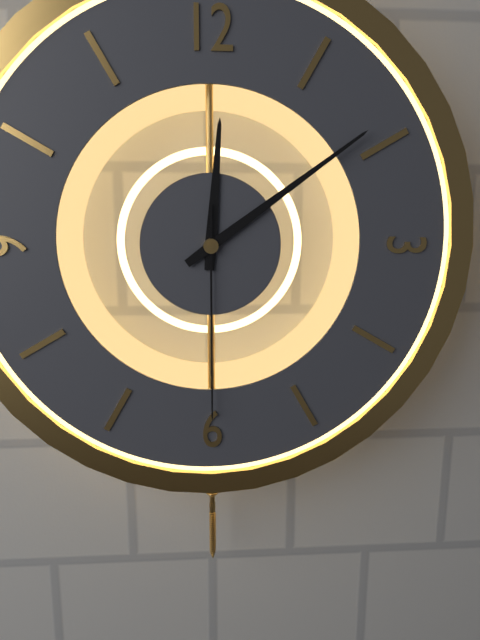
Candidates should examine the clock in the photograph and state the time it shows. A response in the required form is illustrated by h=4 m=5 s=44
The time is h=12 m=9 s=30
